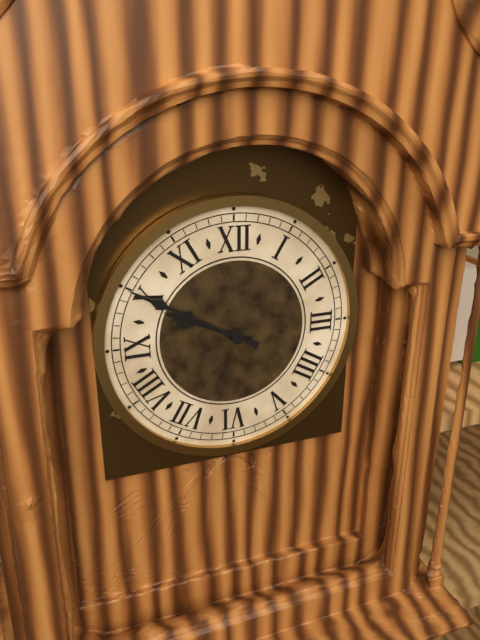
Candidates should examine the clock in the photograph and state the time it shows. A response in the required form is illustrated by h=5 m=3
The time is h=9 m=50
